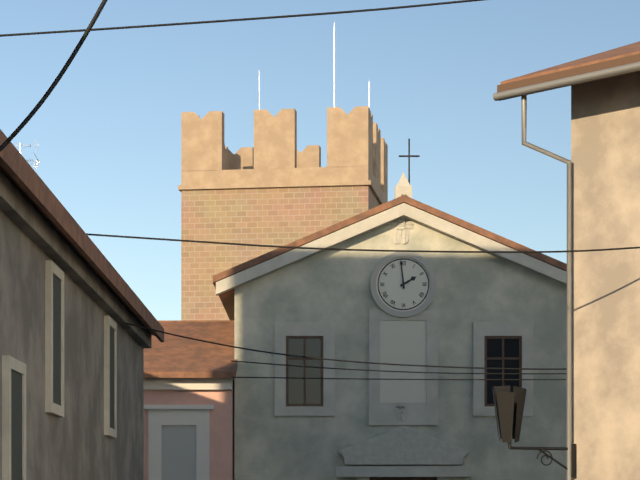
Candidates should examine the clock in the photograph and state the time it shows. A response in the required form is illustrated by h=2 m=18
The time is h=1 m=59
